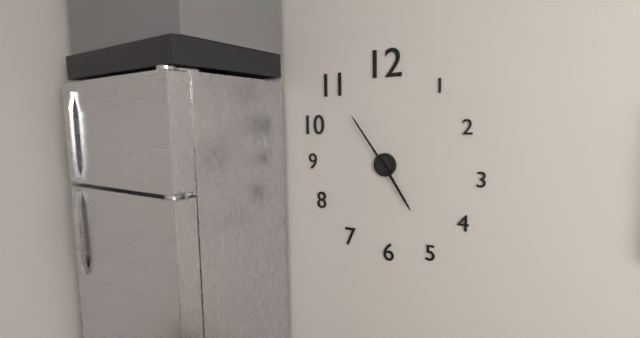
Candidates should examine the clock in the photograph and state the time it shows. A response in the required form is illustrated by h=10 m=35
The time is h=4 m=54
